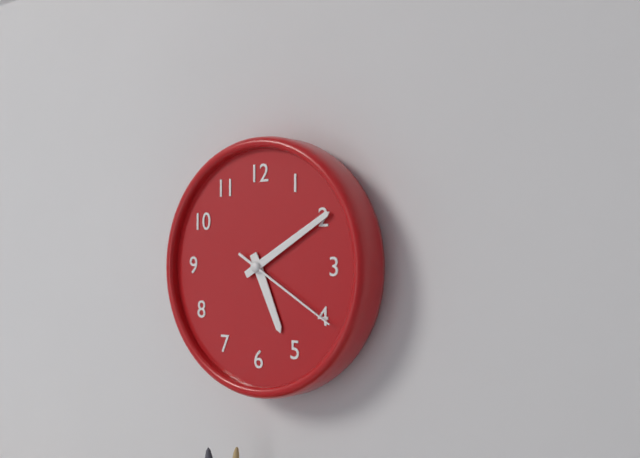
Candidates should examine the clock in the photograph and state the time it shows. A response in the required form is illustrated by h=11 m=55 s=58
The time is h=5 m=10 s=20
